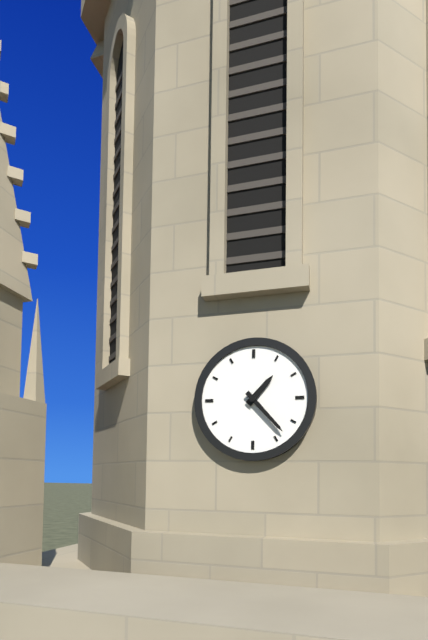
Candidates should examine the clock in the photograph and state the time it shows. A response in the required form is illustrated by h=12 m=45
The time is h=1 m=23
